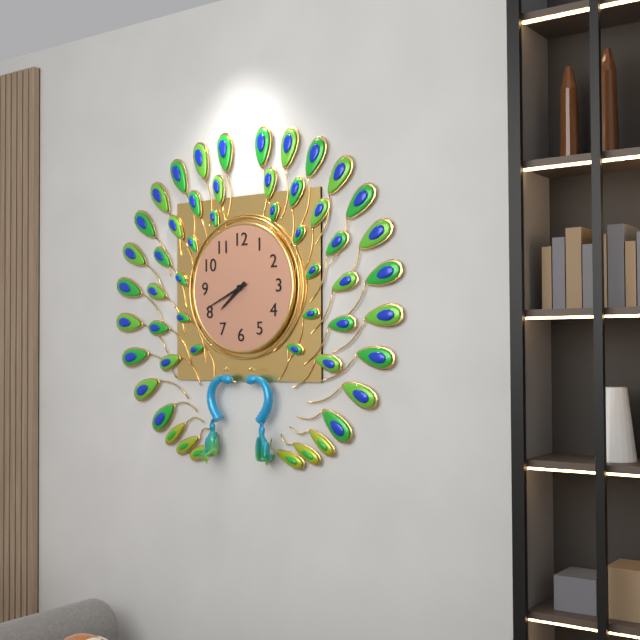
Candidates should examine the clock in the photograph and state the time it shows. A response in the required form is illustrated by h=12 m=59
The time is h=7 m=41
